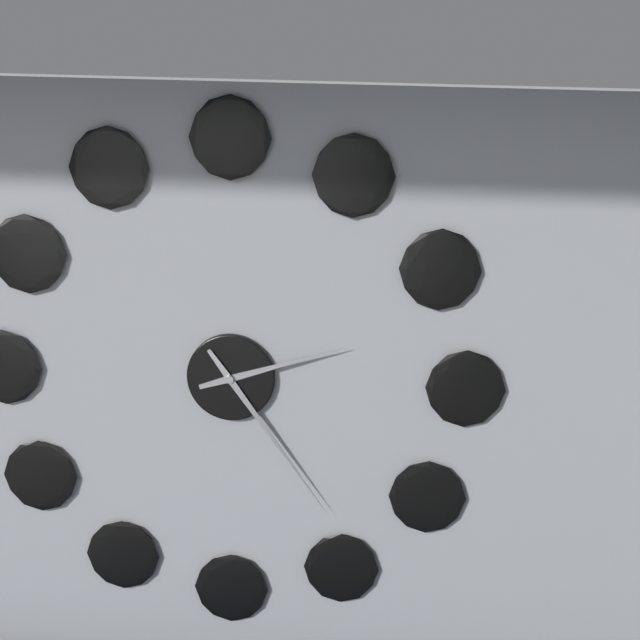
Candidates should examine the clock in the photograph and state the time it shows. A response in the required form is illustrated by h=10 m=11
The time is h=2 m=24
